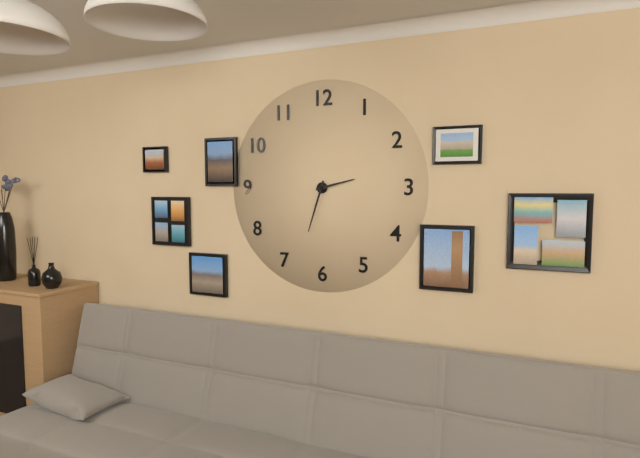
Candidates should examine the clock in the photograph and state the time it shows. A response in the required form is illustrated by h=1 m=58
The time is h=2 m=33
